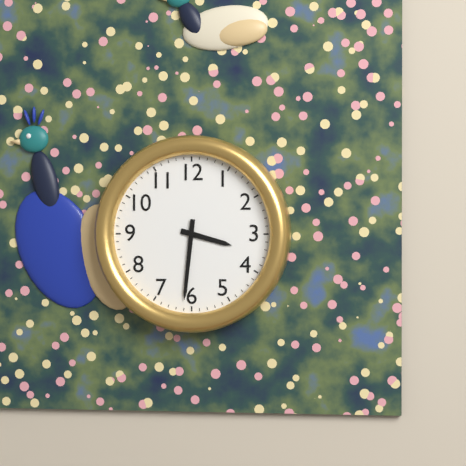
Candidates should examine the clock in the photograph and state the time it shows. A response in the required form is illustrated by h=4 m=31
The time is h=3 m=31
